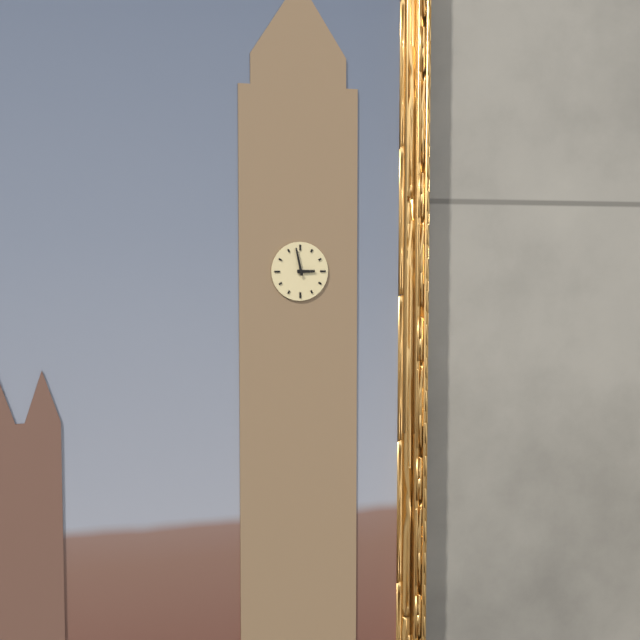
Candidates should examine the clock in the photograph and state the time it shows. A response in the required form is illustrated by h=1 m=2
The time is h=2 m=58
